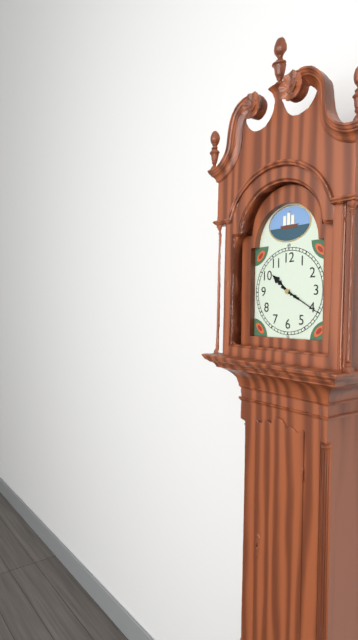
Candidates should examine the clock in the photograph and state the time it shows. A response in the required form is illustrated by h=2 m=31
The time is h=10 m=20
